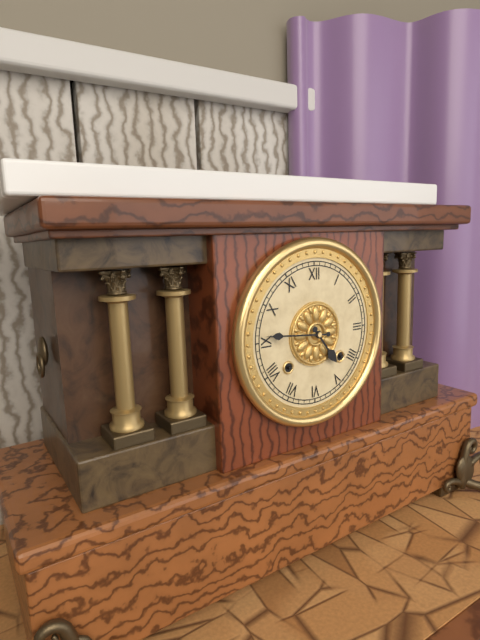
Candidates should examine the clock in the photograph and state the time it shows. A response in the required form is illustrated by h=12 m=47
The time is h=4 m=46
